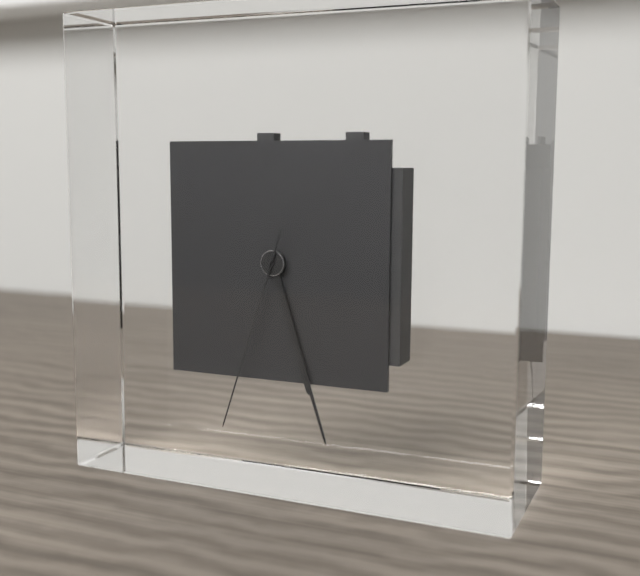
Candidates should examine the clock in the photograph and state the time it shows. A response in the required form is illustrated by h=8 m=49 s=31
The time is h=5 m=27 s=33
